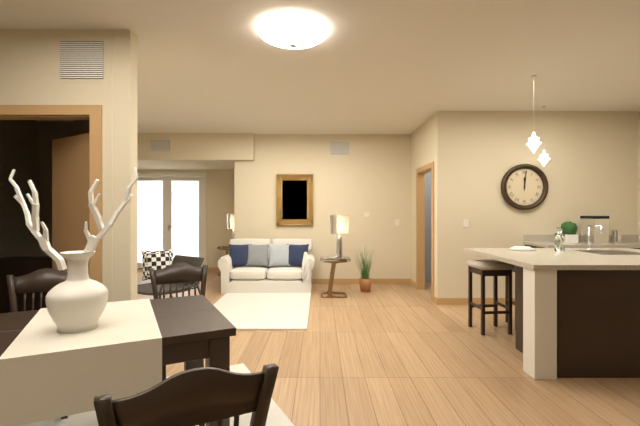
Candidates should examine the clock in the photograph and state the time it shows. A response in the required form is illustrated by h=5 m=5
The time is h=12 m=1
